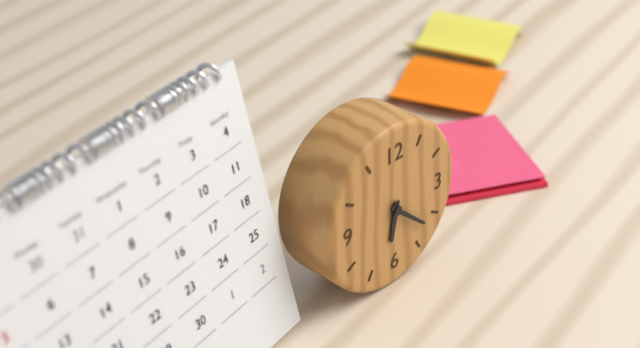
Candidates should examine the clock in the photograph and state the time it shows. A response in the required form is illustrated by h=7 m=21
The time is h=6 m=22
